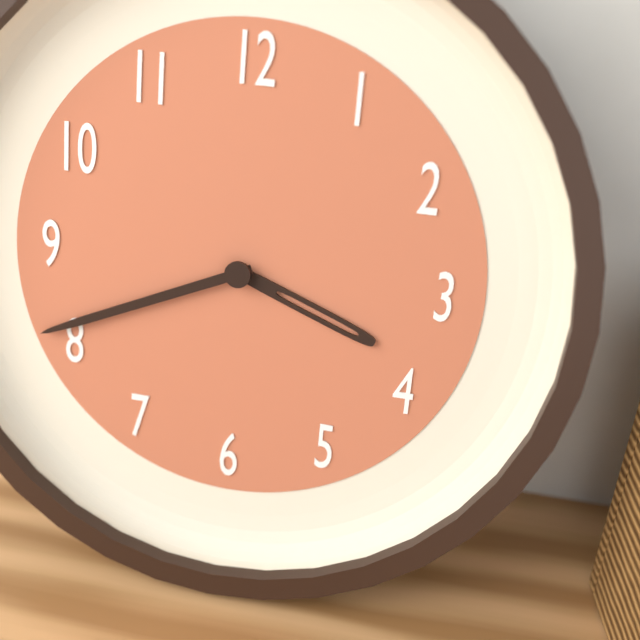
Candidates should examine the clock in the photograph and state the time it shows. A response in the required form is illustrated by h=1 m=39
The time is h=3 m=41
